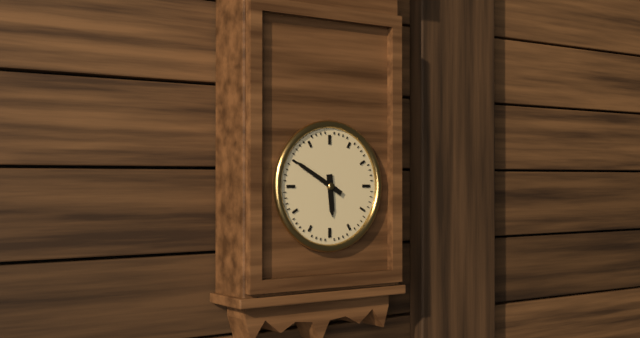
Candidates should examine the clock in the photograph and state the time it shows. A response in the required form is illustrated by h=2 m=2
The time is h=5 m=50
